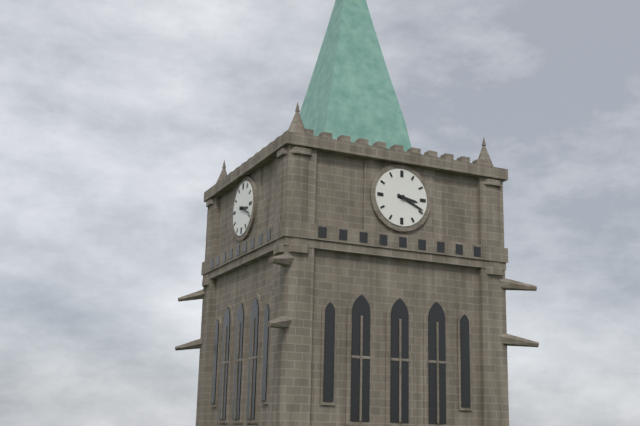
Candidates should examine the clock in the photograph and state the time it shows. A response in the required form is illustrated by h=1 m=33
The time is h=3 m=19
